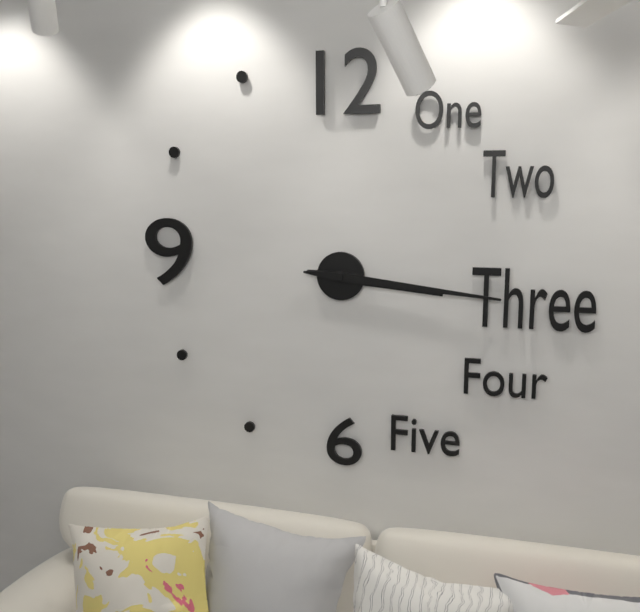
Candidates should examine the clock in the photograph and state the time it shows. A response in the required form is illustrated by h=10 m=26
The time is h=3 m=16
